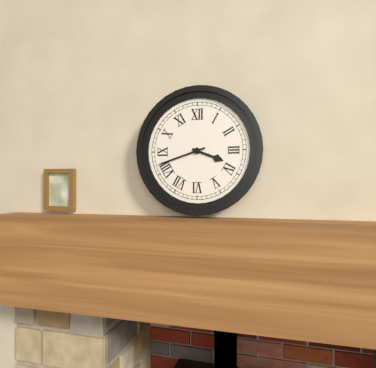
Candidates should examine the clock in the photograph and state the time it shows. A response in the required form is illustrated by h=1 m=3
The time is h=3 m=42
